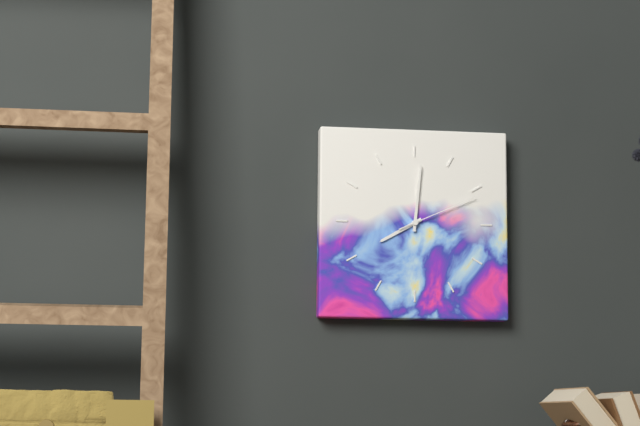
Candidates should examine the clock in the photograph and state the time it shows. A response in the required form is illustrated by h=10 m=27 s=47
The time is h=8 m=1 s=11
